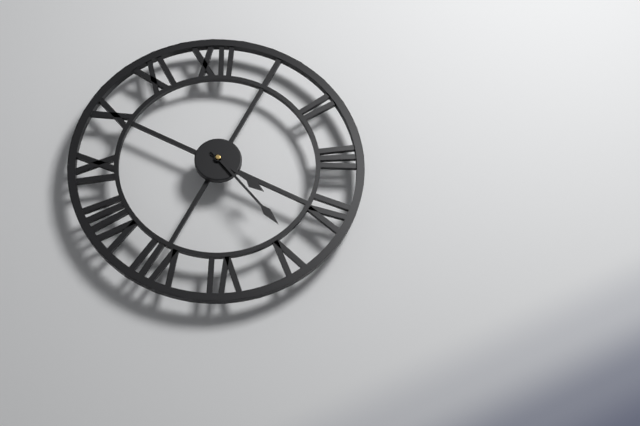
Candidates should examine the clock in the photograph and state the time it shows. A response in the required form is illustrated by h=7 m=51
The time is h=4 m=24
